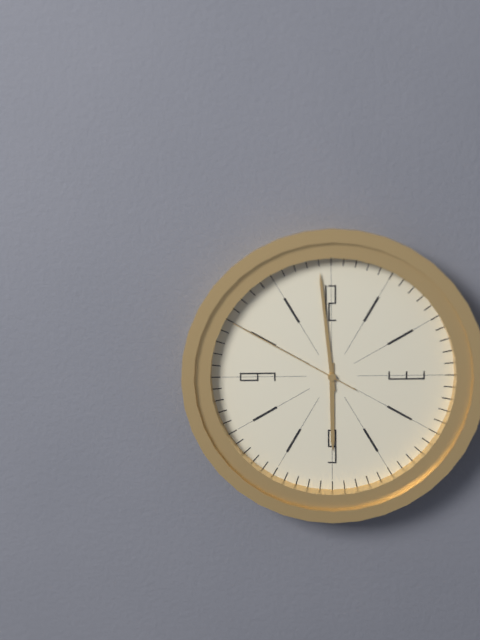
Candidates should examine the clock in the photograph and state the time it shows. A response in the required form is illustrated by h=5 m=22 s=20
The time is h=5 m=59 s=50
